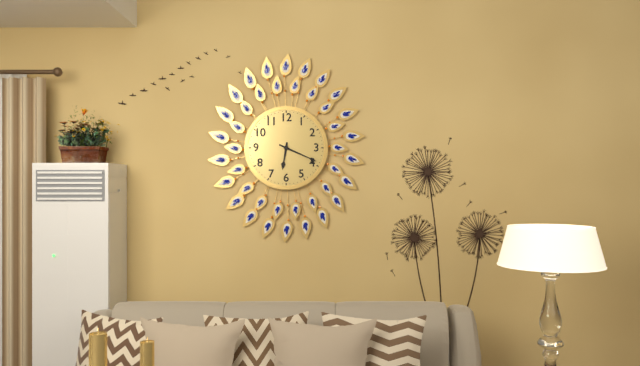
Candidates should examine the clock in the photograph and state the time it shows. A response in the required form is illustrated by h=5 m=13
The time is h=6 m=19
